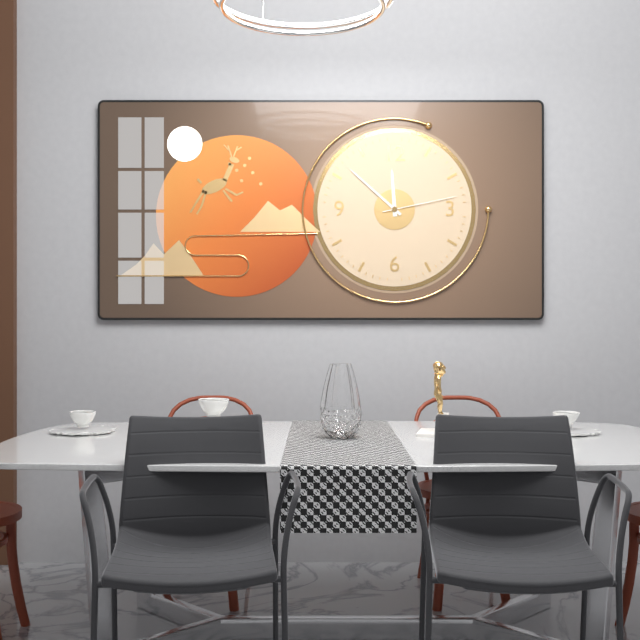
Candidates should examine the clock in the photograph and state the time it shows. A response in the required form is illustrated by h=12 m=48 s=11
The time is h=11 m=52 s=13
